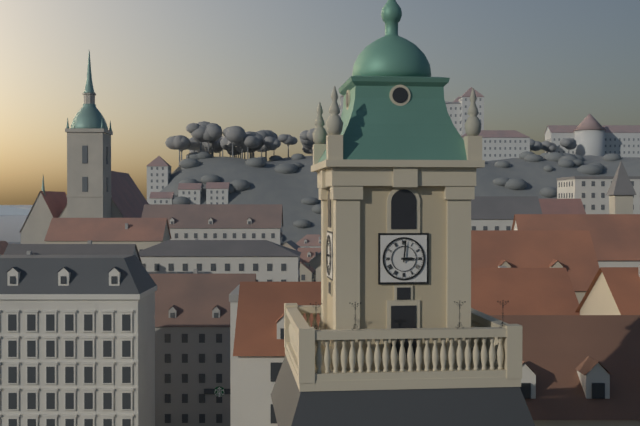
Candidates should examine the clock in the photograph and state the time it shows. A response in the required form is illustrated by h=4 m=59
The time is h=3 m=1
